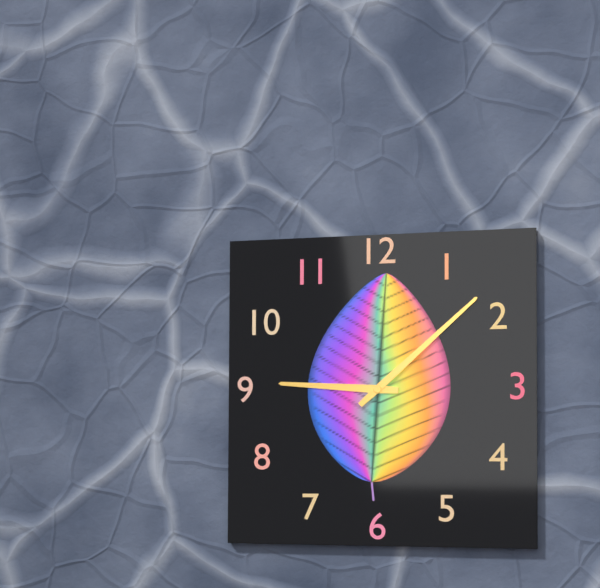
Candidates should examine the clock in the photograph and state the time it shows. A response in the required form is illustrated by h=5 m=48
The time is h=9 m=8
